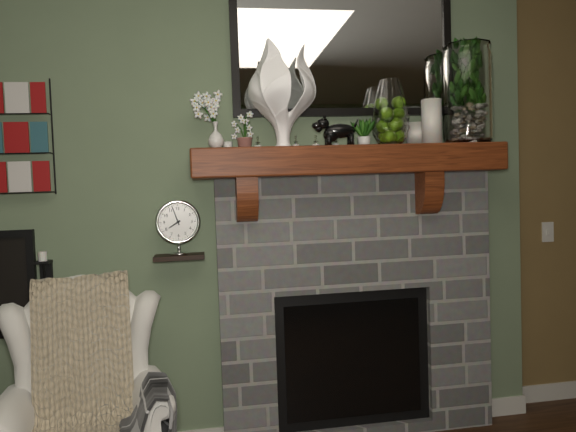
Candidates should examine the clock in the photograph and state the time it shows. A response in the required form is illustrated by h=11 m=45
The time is h=7 m=57
